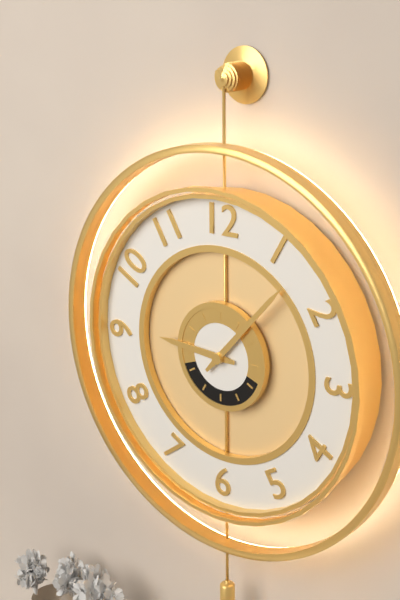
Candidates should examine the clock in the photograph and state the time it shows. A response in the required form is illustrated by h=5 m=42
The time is h=9 m=7
